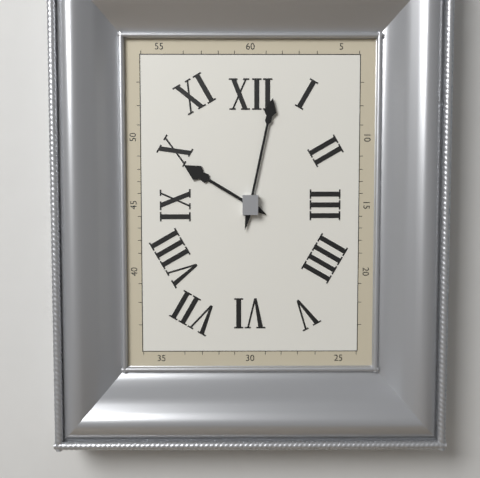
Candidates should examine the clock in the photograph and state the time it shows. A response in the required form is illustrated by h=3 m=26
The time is h=10 m=2
